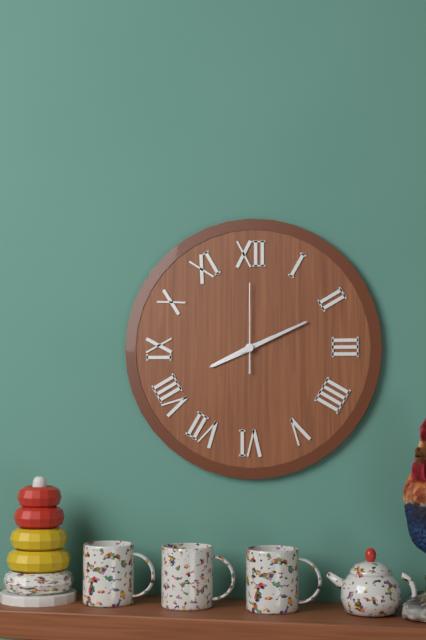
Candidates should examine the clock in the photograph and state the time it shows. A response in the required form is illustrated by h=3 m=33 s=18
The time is h=8 m=11 s=0
